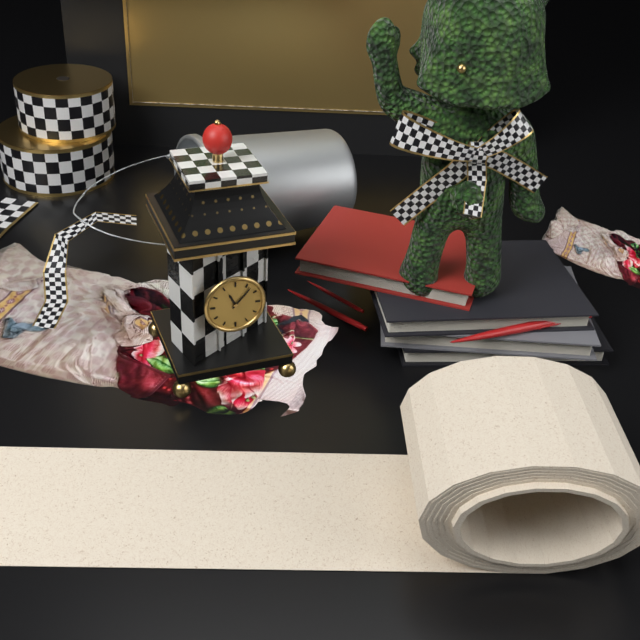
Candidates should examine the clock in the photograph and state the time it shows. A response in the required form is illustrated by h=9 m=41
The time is h=11 m=7
